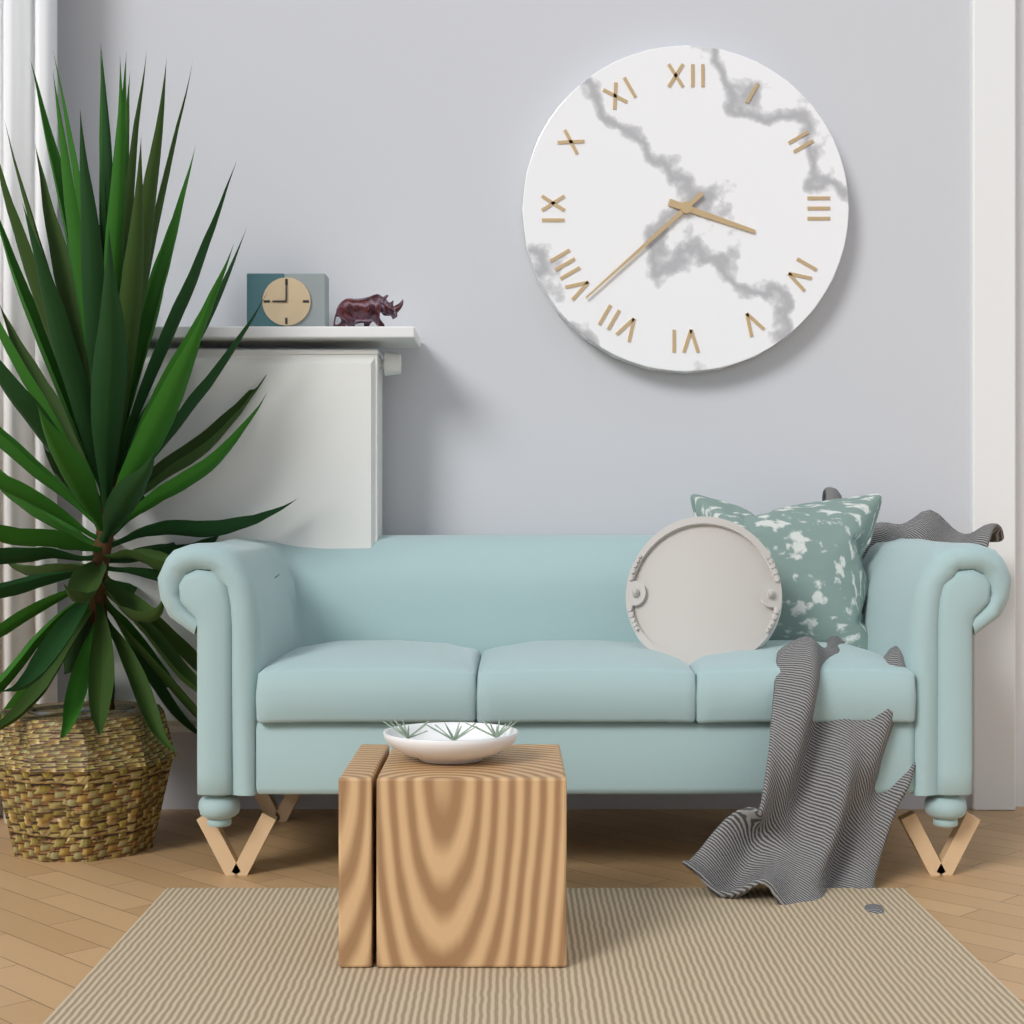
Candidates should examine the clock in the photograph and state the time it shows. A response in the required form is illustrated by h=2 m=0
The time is h=3 m=38
